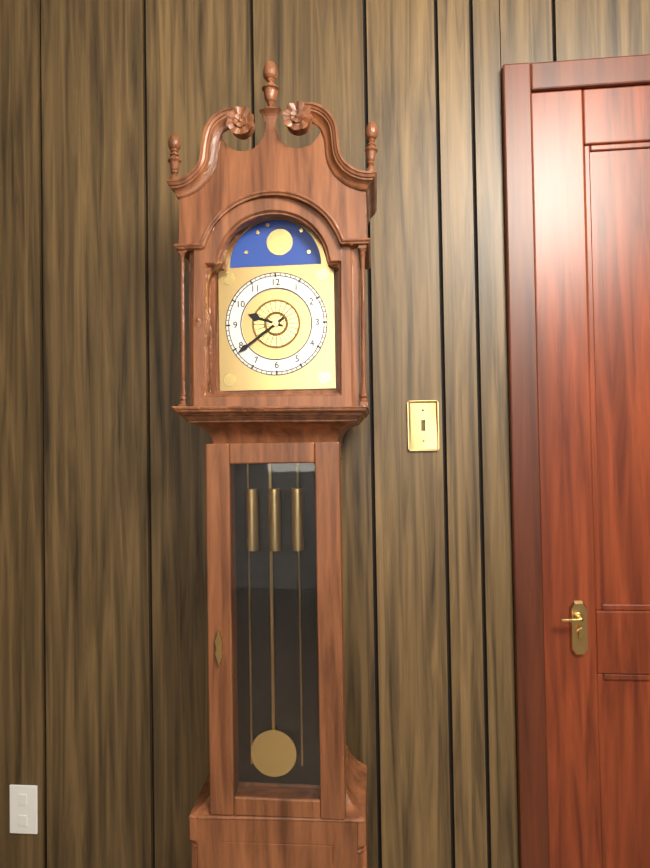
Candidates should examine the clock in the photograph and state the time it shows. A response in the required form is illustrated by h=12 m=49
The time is h=9 m=39
